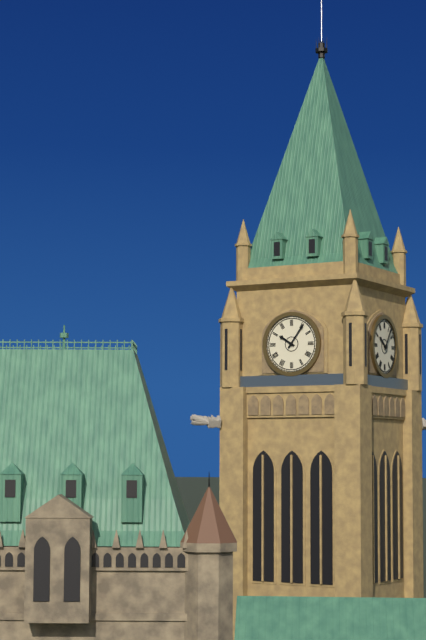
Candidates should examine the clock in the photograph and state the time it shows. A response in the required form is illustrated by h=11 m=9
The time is h=10 m=6
